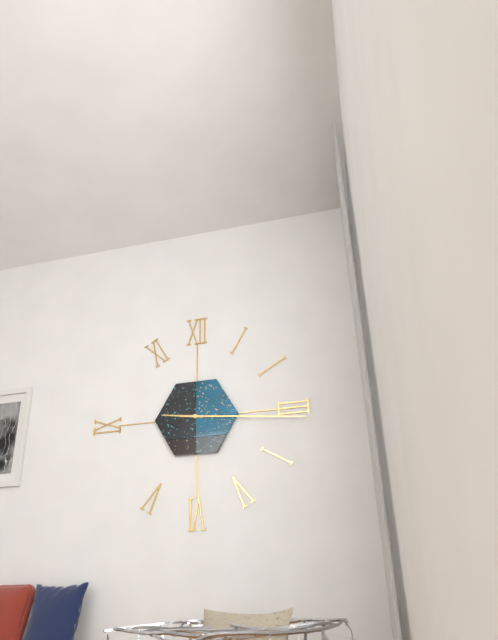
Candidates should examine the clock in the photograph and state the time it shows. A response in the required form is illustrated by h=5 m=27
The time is h=9 m=16
